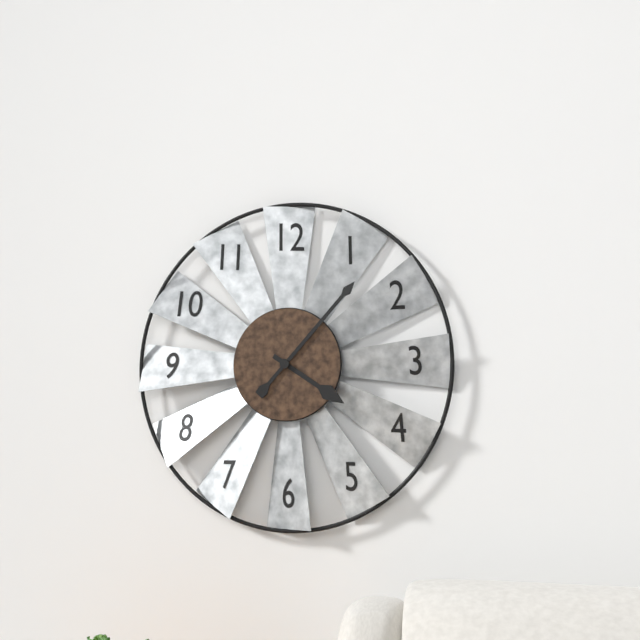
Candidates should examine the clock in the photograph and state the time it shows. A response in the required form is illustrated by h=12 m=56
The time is h=4 m=7
